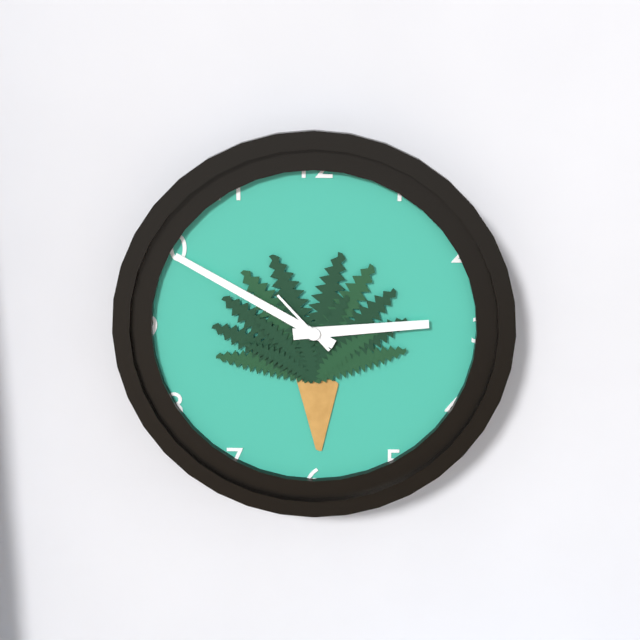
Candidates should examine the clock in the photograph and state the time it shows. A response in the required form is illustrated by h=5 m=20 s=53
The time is h=2 m=50 s=53
